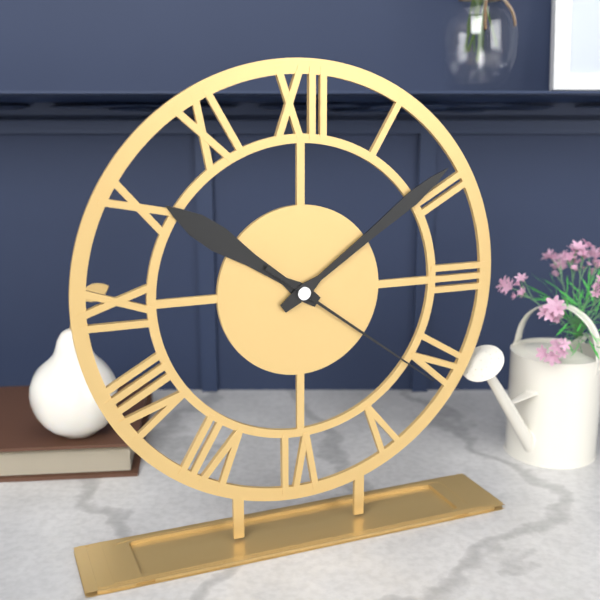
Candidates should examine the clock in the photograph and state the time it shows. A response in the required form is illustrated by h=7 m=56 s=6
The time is h=10 m=9 s=21
